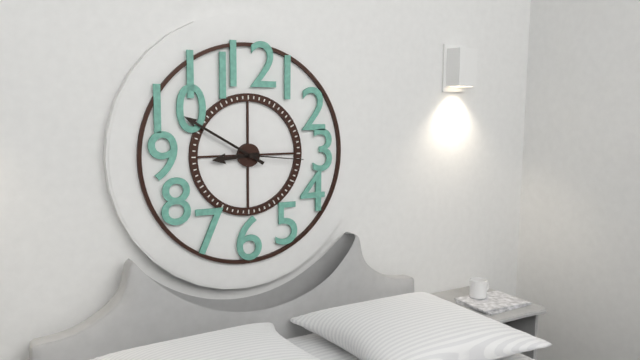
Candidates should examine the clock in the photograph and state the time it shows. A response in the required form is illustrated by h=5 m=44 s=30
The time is h=8 m=50 s=16
